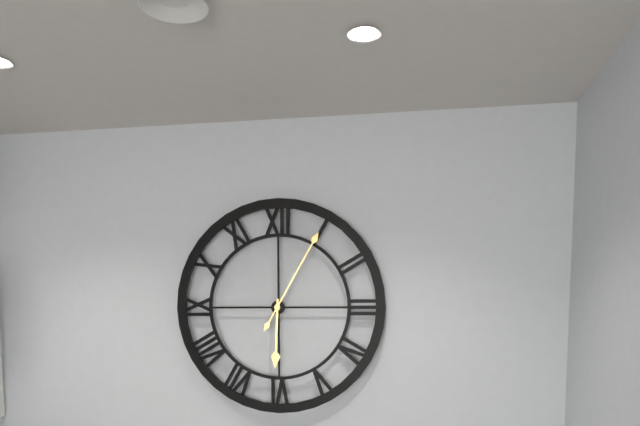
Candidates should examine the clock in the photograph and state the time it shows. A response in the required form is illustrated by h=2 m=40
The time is h=6 m=5
